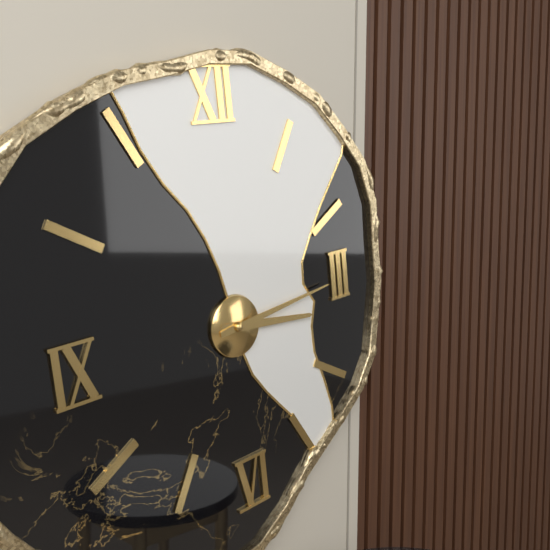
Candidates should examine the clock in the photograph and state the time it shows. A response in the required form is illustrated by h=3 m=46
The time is h=3 m=14
